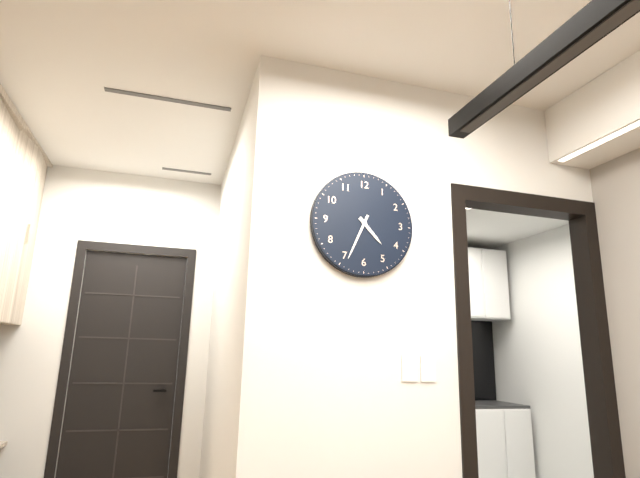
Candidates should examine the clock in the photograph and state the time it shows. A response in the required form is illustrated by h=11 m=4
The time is h=4 m=34
